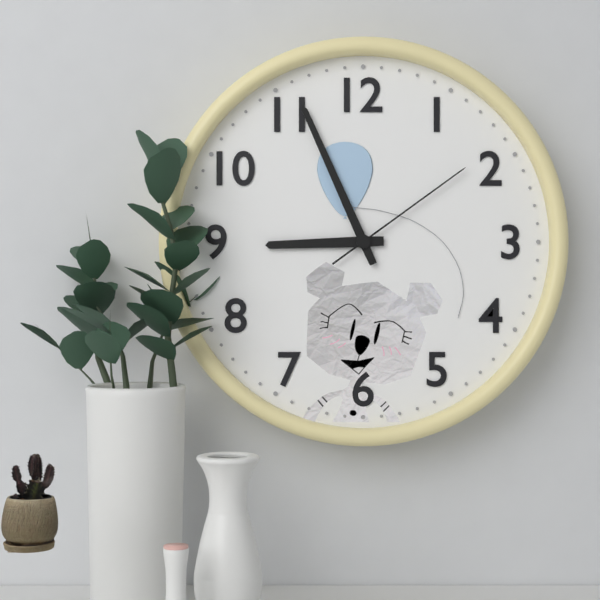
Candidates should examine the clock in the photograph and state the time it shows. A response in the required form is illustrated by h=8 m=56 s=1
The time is h=8 m=56 s=9
